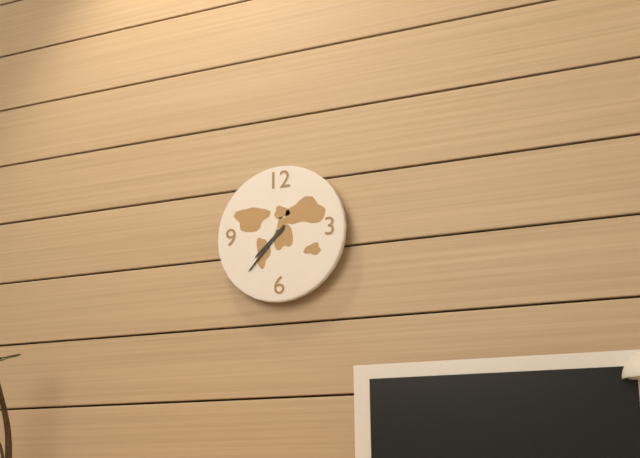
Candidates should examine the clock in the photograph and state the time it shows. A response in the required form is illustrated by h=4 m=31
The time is h=7 m=37
